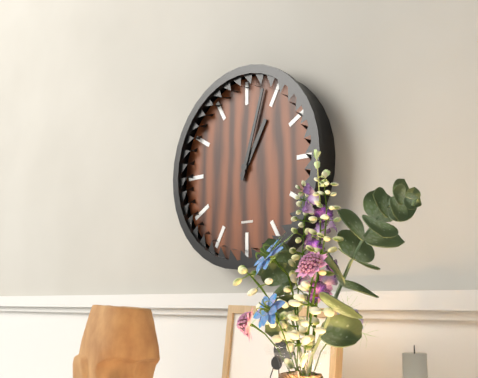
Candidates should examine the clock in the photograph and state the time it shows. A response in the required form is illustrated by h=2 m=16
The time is h=1 m=3
